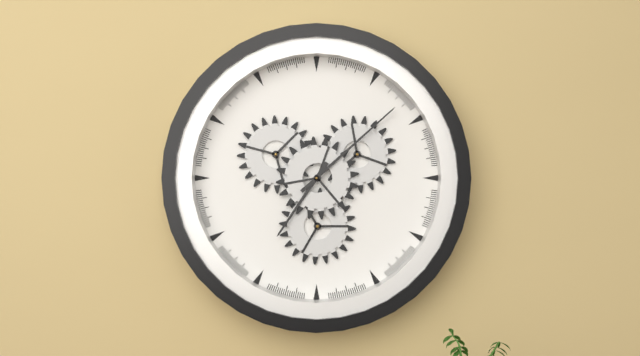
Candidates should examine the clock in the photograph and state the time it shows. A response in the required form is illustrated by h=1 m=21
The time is h=7 m=8
